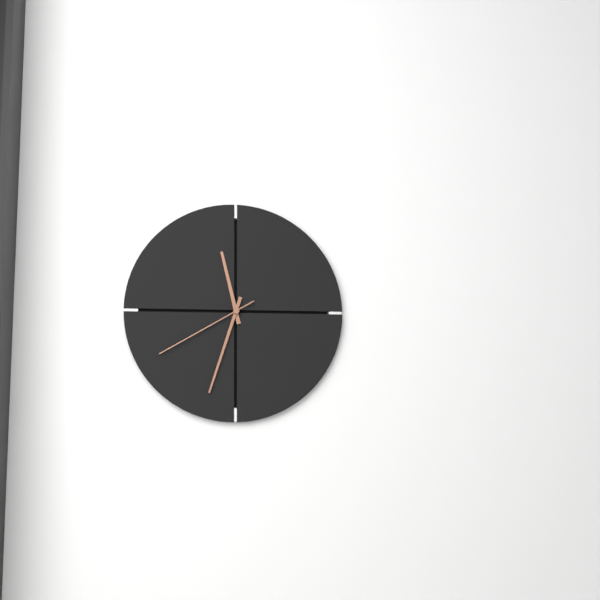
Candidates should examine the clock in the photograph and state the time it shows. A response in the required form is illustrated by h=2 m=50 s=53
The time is h=11 m=33 s=40
